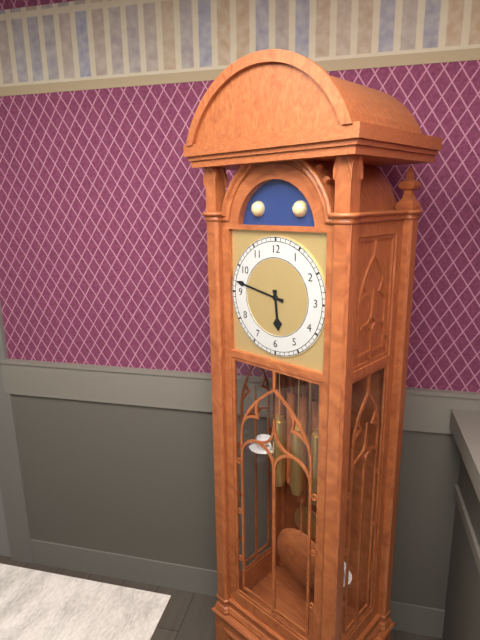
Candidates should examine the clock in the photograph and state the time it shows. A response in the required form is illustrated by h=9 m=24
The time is h=5 m=47
